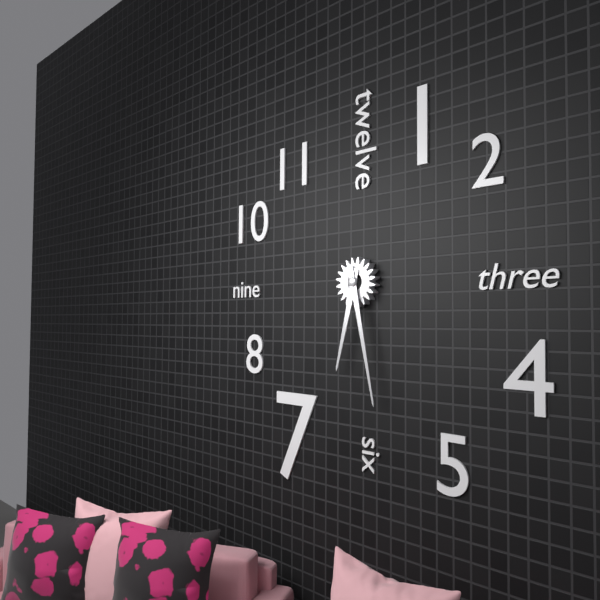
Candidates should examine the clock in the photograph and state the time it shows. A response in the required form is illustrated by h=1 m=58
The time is h=6 m=28
